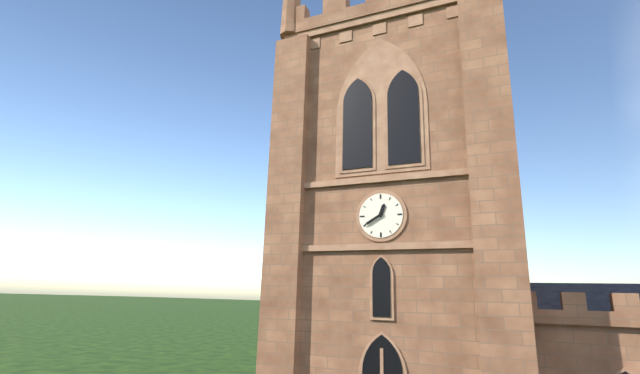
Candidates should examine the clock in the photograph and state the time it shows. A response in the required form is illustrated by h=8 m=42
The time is h=12 m=40
